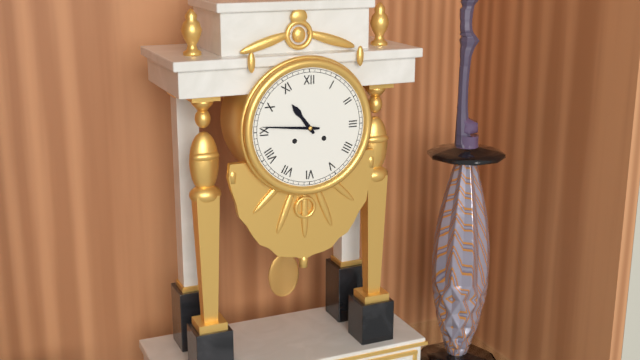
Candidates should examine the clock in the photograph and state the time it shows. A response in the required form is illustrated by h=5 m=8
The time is h=10 m=46
